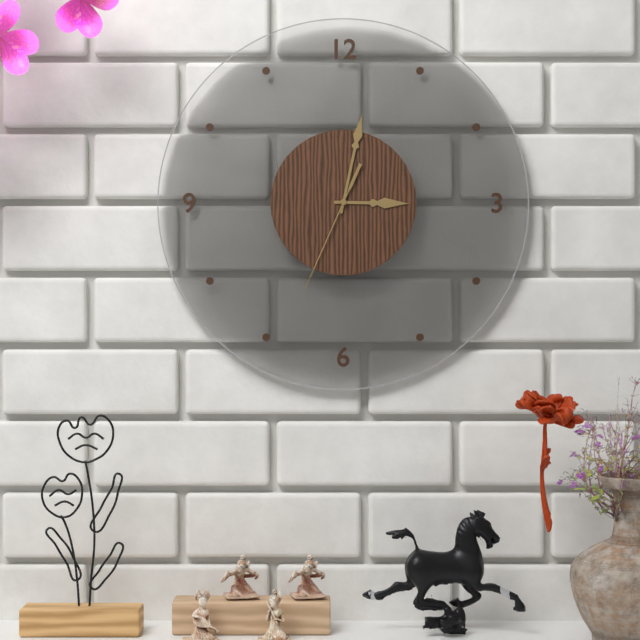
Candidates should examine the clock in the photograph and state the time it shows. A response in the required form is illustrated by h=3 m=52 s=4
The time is h=3 m=2 s=34
